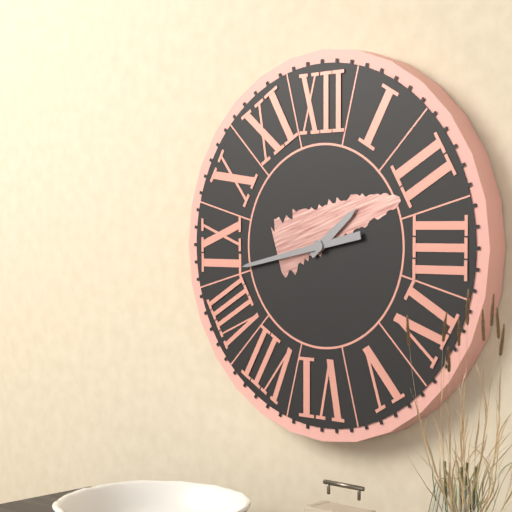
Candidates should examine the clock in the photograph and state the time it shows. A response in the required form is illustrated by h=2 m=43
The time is h=1 m=43
